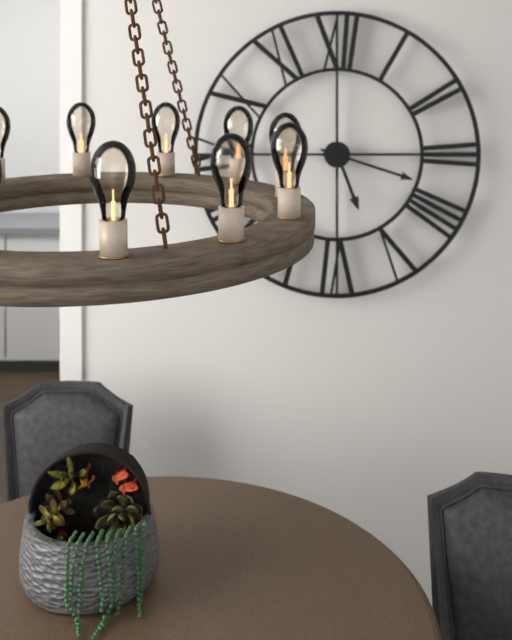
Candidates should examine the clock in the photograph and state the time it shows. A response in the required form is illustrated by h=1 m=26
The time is h=5 m=18
